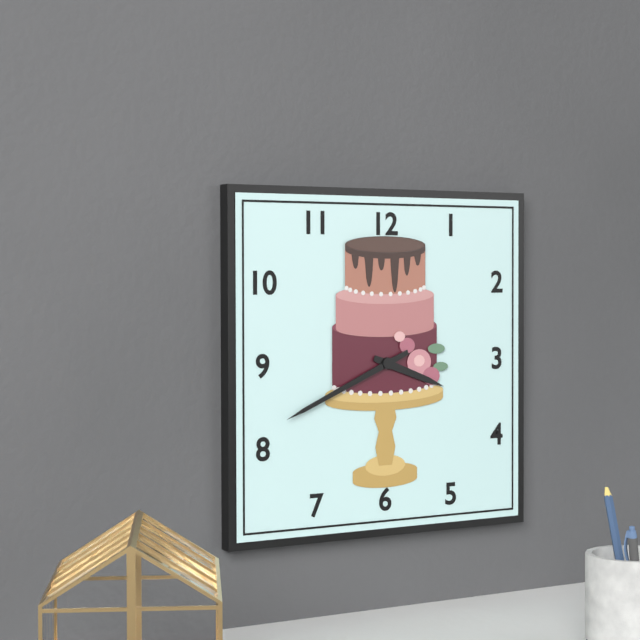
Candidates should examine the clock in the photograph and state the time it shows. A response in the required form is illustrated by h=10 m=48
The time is h=3 m=41
